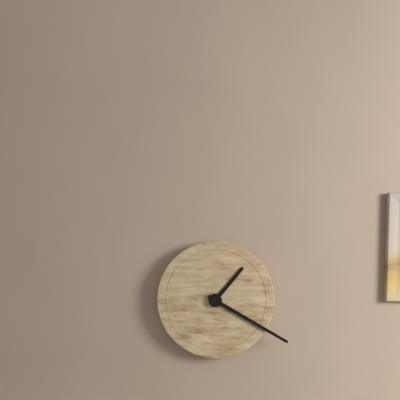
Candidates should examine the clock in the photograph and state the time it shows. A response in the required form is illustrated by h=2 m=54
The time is h=1 m=20
